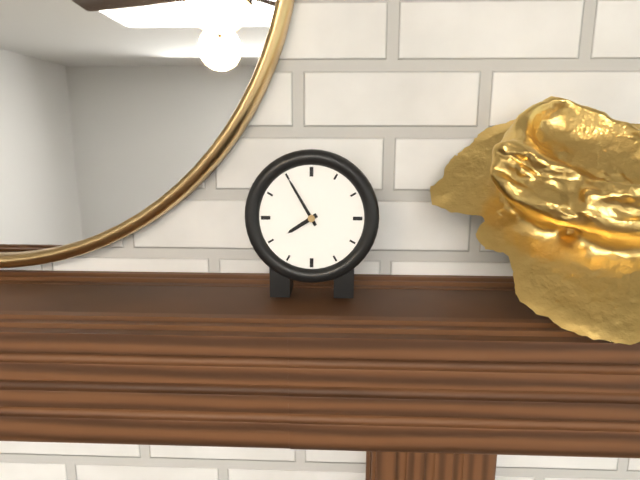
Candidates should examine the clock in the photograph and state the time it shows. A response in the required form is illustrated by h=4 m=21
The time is h=7 m=55
